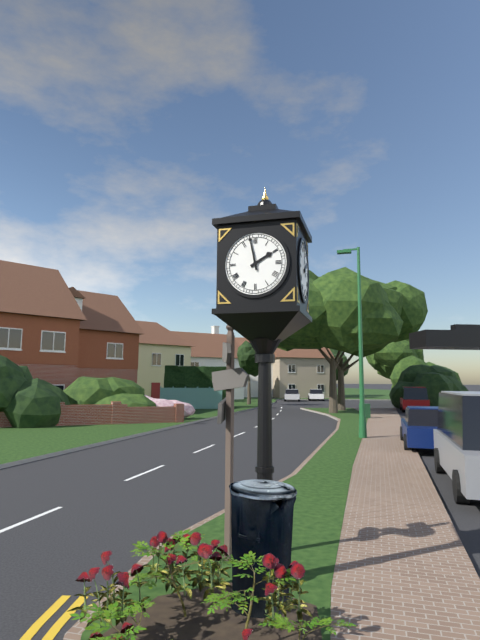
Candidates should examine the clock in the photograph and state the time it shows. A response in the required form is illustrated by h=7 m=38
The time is h=1 m=58
